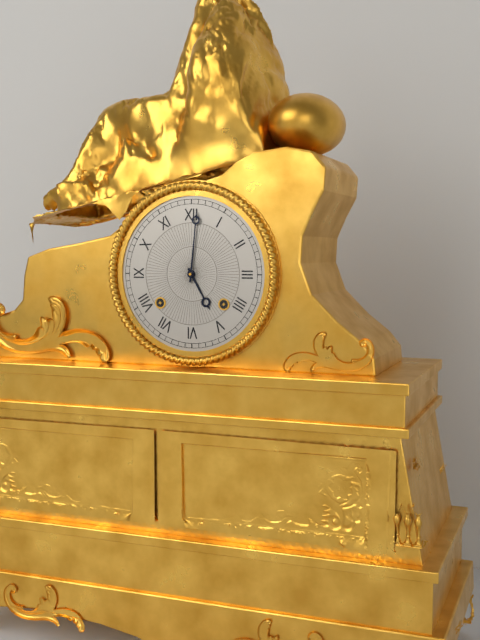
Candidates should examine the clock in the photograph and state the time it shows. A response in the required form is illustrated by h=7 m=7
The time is h=5 m=1
